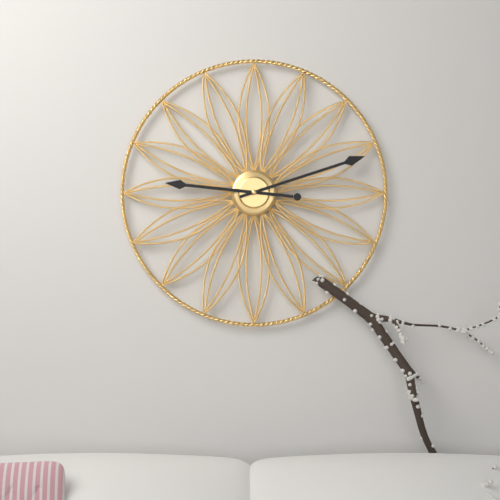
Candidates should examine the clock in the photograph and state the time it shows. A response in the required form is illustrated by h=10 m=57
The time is h=9 m=12
